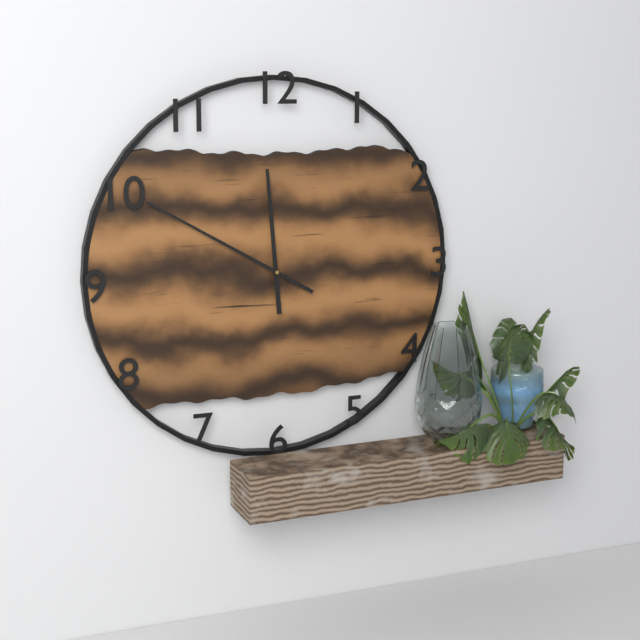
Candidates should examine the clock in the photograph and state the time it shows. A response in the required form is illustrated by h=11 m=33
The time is h=11 m=50
